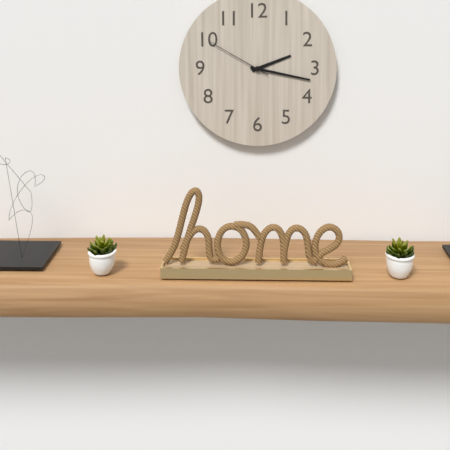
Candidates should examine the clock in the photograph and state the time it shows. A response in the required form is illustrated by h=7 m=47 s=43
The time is h=2 m=17 s=50
